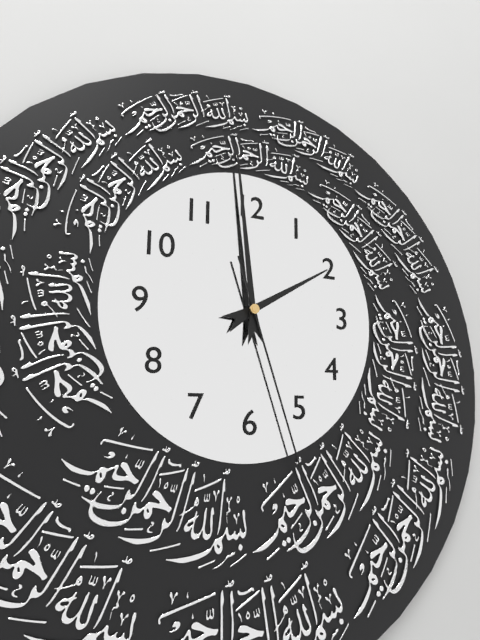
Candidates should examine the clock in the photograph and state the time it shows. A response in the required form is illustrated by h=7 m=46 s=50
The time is h=1 m=59 s=27
